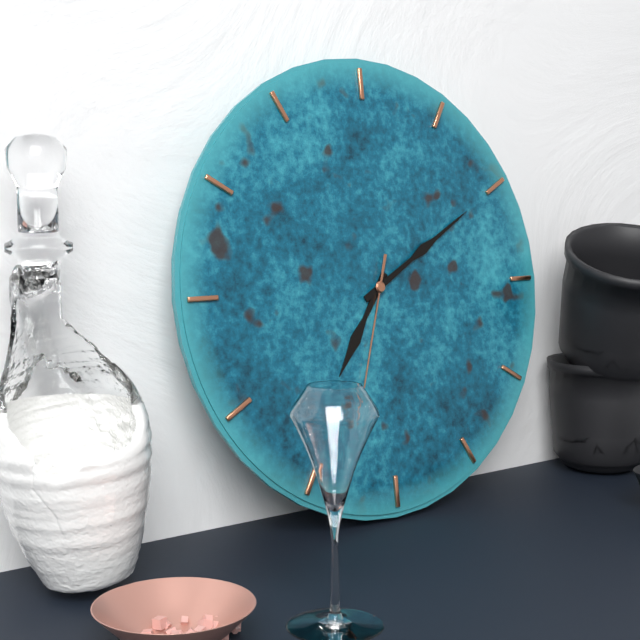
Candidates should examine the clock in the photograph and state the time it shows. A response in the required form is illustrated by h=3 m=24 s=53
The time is h=7 m=10 s=33
